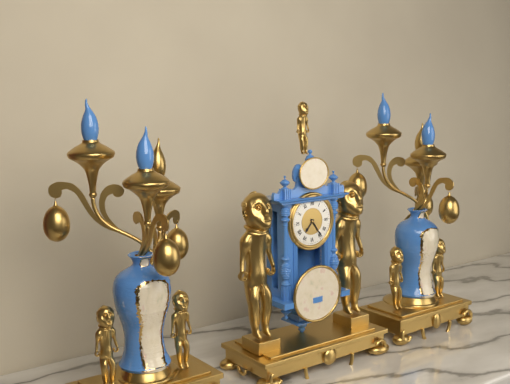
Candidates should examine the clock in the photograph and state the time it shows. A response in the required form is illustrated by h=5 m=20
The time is h=7 m=24
